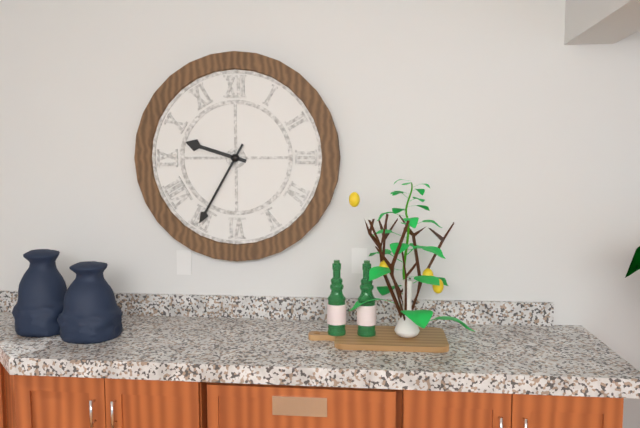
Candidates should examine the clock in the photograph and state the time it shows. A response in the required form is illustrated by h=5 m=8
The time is h=9 m=35
